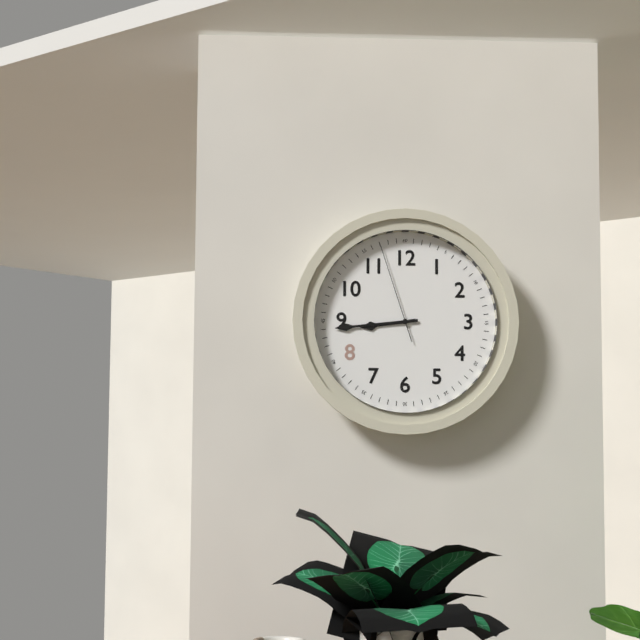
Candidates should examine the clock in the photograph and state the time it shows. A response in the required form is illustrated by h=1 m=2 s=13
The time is h=8 m=44 s=57
